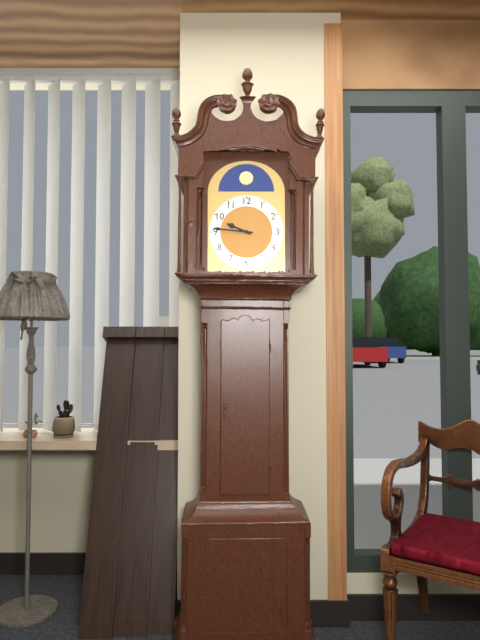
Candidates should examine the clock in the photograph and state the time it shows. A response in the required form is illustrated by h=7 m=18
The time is h=9 m=46
